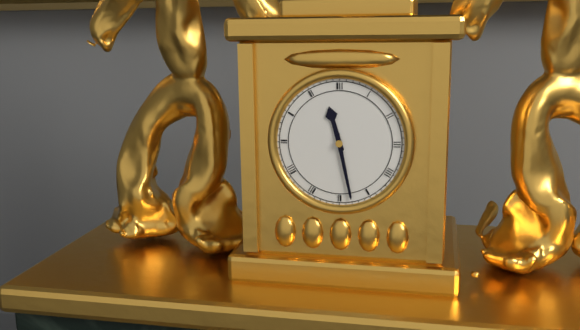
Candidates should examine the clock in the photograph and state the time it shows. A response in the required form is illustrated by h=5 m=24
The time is h=11 m=28
